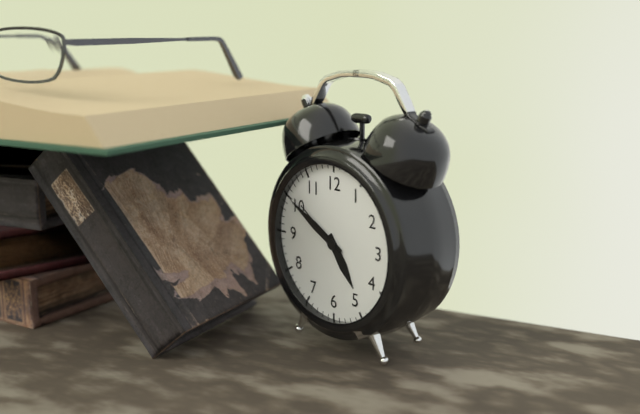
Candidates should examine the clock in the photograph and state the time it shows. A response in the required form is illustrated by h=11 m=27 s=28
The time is h=4 m=50 s=51
